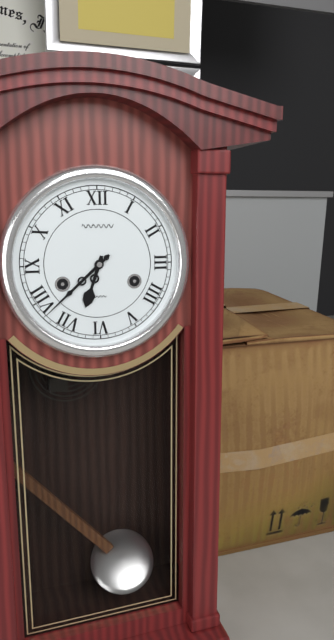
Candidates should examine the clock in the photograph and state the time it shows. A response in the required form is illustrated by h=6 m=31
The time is h=6 m=38
